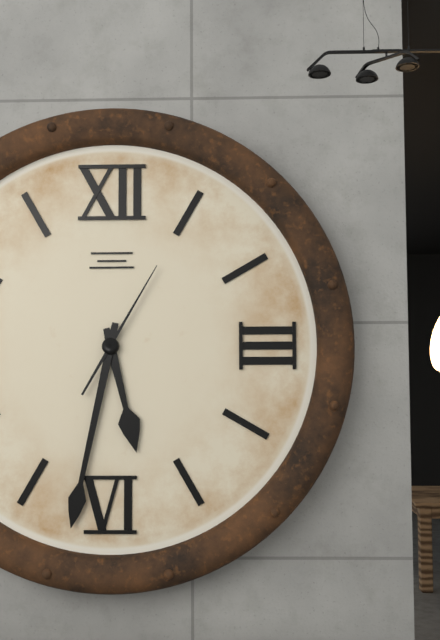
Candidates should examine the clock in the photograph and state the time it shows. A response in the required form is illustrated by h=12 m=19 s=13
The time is h=5 m=32 s=5
